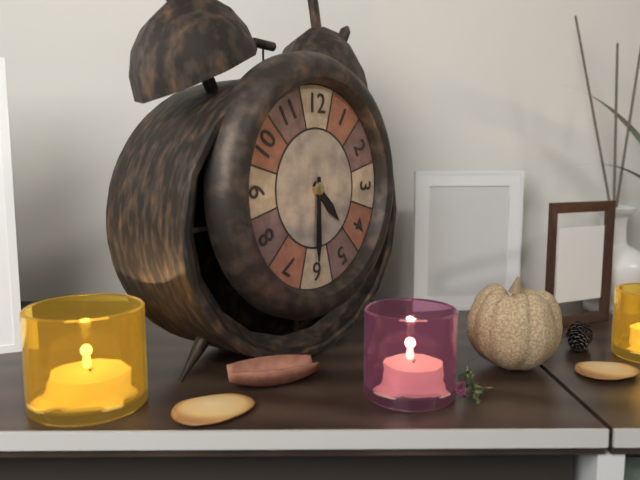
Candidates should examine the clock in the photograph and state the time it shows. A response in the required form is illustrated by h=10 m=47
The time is h=4 m=30
